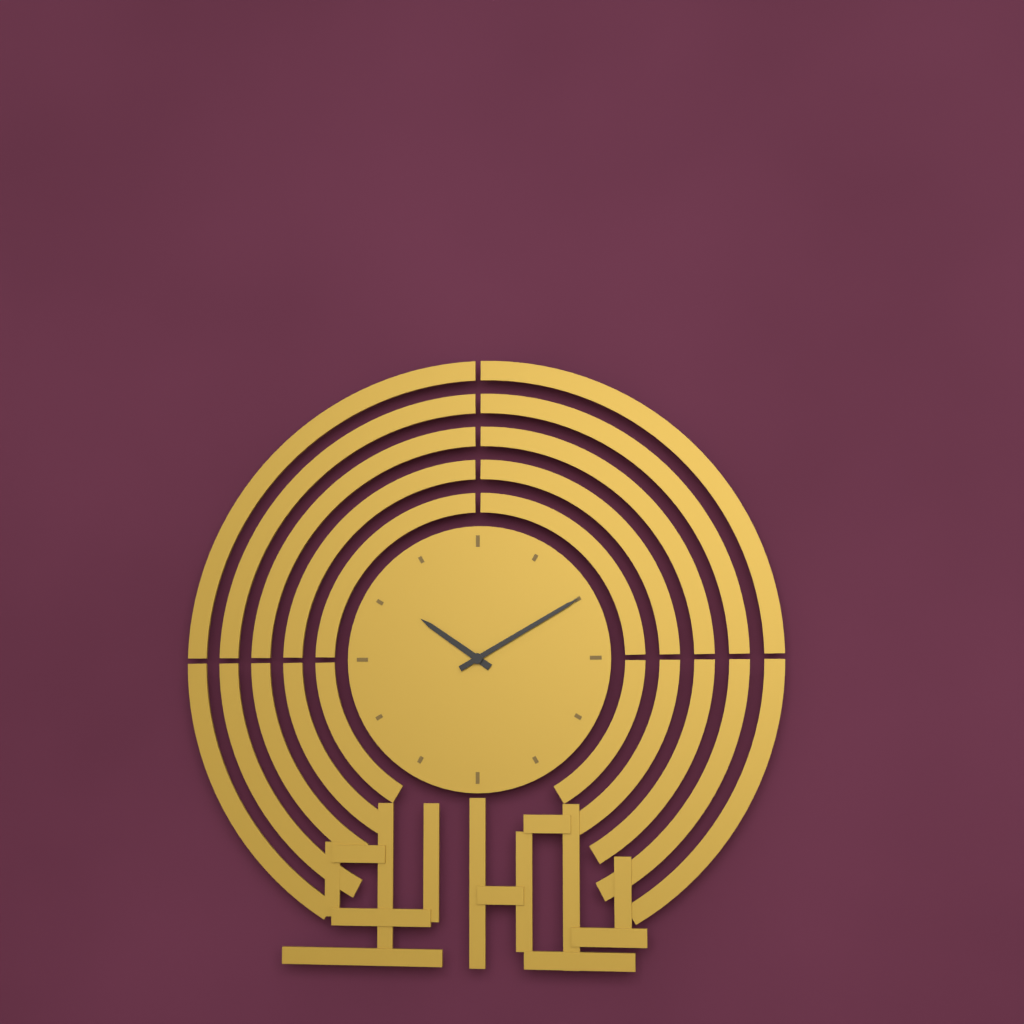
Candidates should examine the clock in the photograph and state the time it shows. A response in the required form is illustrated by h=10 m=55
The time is h=10 m=10
